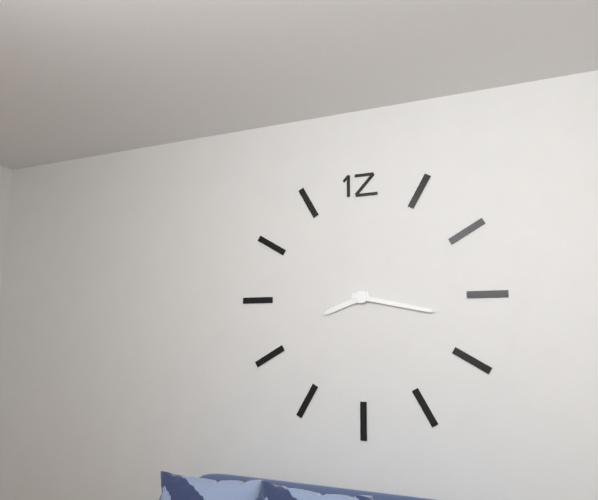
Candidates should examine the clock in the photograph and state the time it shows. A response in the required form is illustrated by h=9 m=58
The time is h=8 m=17
